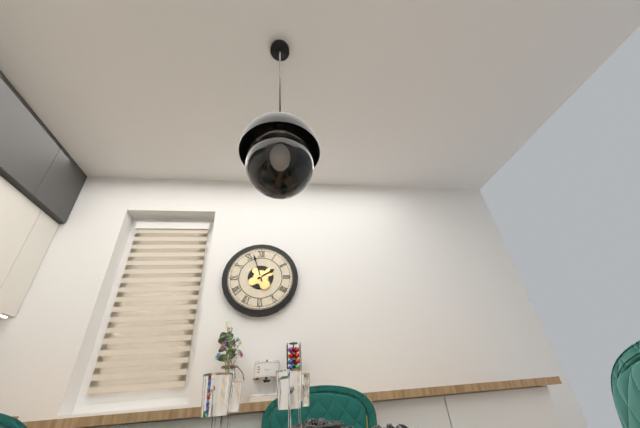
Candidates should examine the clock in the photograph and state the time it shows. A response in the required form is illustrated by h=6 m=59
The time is h=1 m=57
